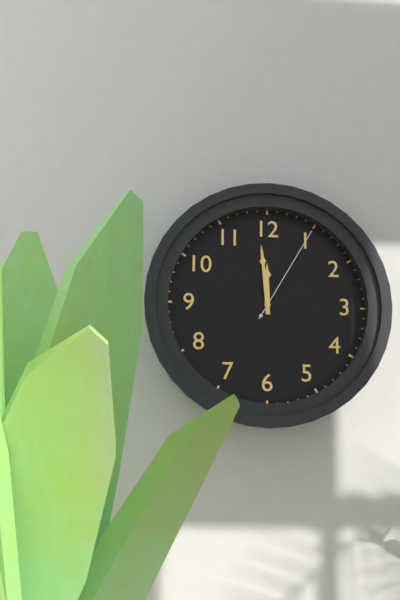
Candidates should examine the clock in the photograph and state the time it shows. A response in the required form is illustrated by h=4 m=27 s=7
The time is h=11 m=59 s=5
